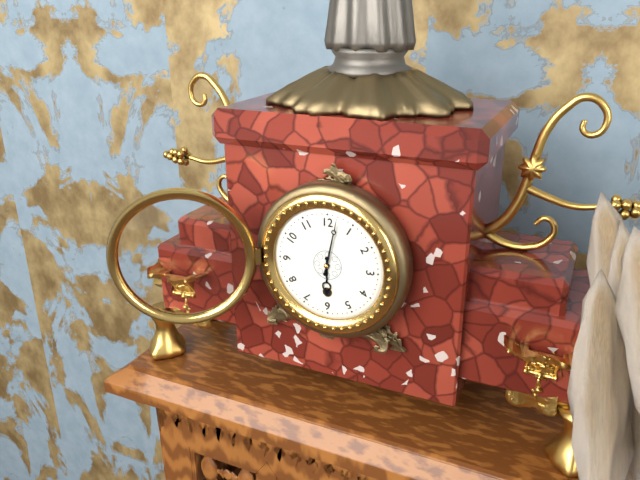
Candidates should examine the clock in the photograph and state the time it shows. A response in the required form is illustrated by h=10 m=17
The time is h=6 m=2
